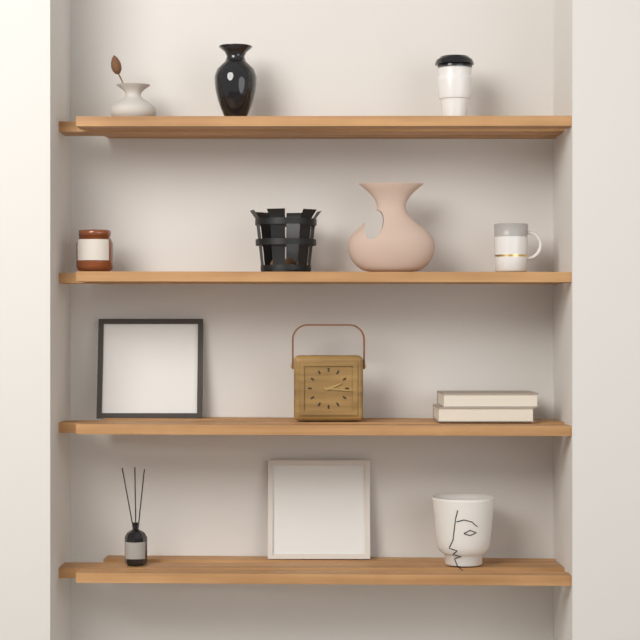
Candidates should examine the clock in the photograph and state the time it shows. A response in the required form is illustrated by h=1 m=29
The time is h=2 m=16
